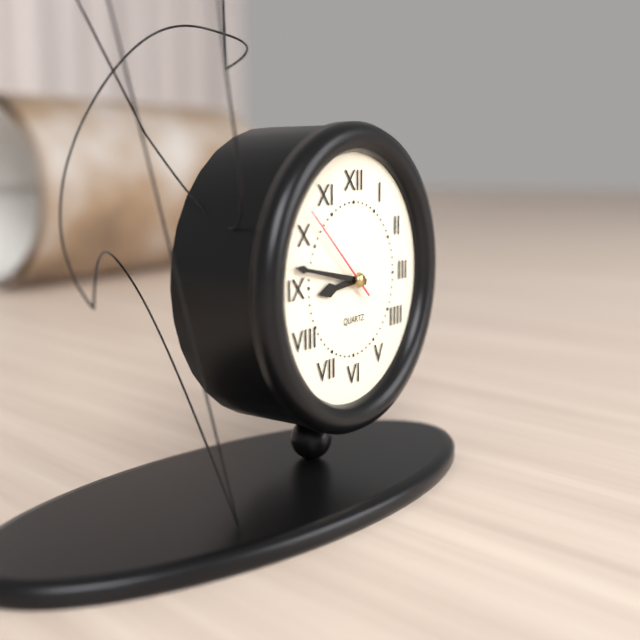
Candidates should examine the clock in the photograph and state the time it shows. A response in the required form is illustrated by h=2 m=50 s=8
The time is h=8 m=47 s=52
